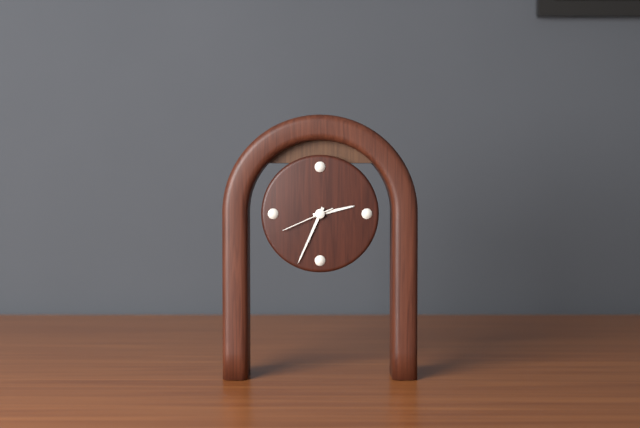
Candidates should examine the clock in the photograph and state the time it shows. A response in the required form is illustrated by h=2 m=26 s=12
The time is h=2 m=34 s=41
